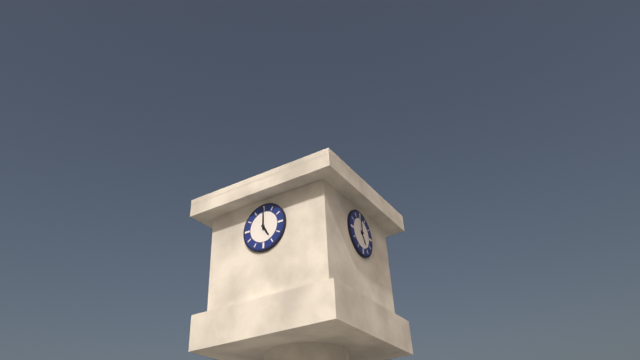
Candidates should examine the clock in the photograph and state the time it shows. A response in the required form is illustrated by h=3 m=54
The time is h=5 m=0
